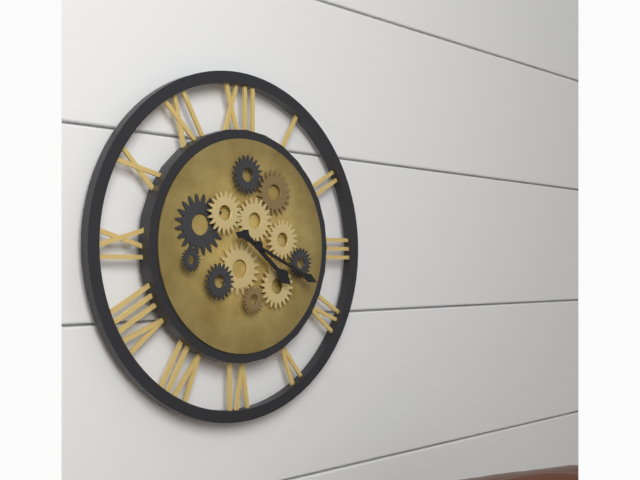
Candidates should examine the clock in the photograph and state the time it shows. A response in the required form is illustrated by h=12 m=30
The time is h=4 m=19
